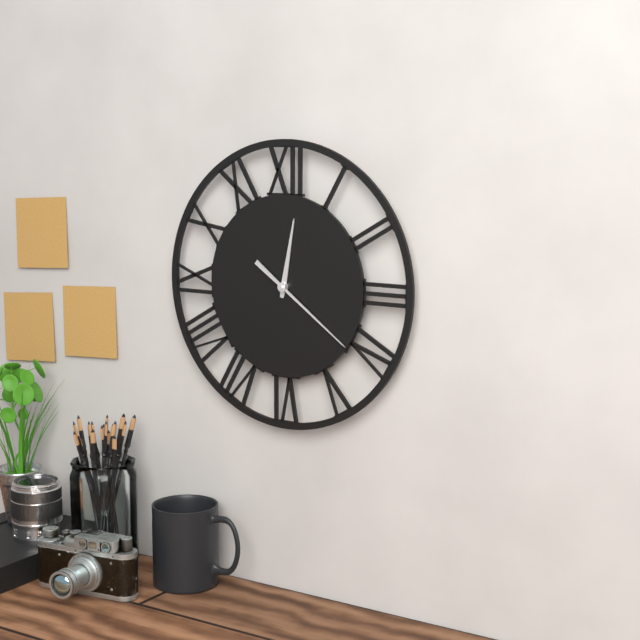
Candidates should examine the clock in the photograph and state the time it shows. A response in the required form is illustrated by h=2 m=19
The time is h=12 m=21
